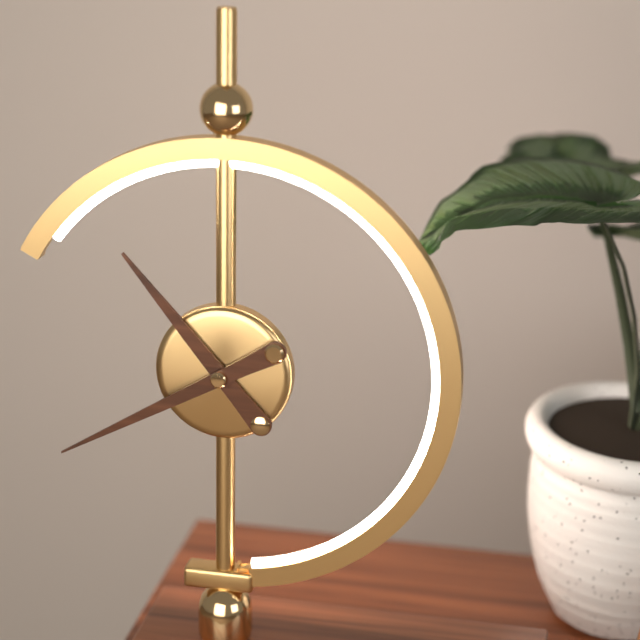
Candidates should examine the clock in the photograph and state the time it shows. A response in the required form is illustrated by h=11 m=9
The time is h=10 m=40
